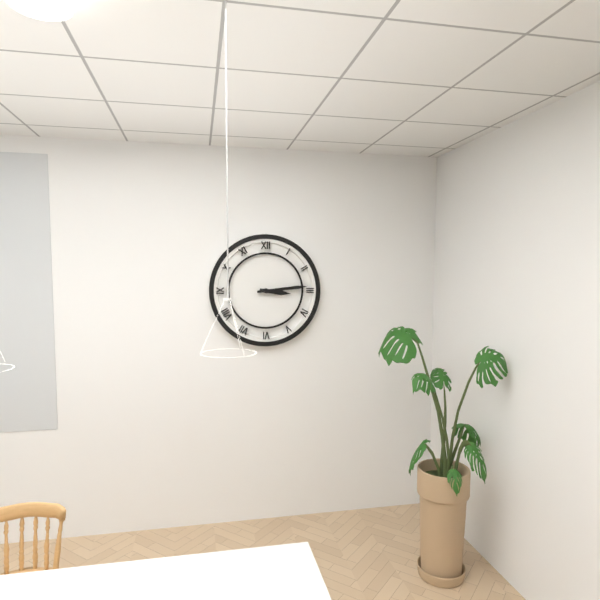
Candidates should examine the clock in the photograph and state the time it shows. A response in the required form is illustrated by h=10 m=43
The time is h=3 m=14
